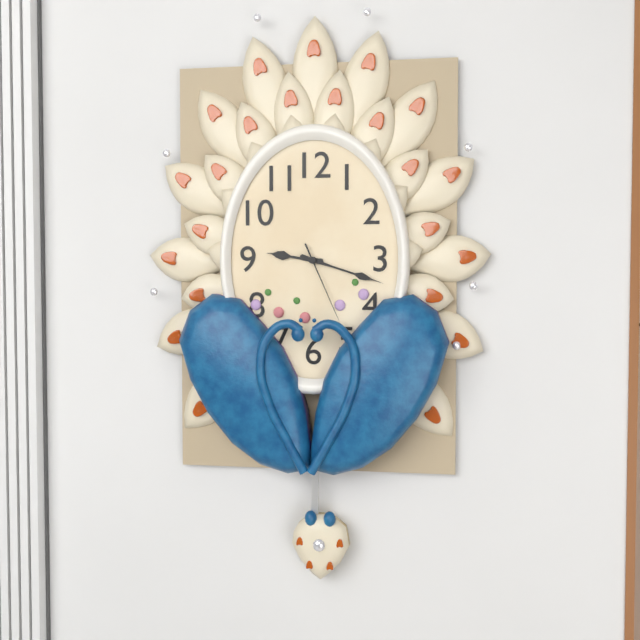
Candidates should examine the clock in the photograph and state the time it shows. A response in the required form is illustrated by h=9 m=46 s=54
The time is h=9 m=18 s=26
